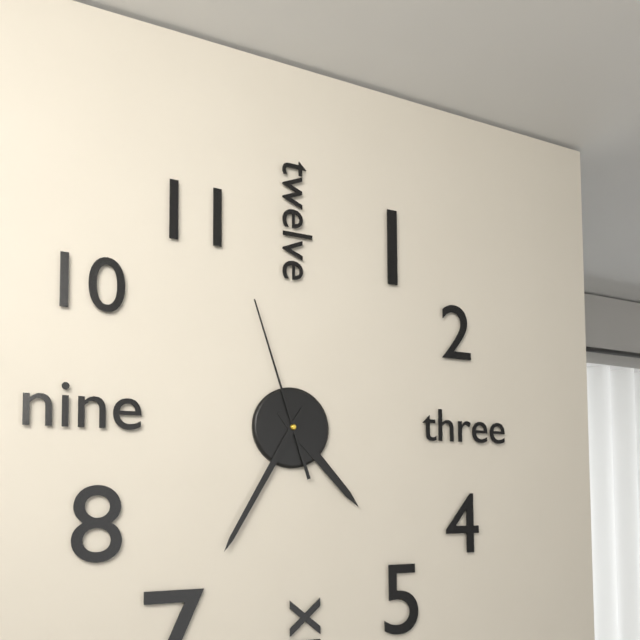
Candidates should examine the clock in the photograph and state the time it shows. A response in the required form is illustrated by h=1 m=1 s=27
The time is h=4 m=35 s=57
